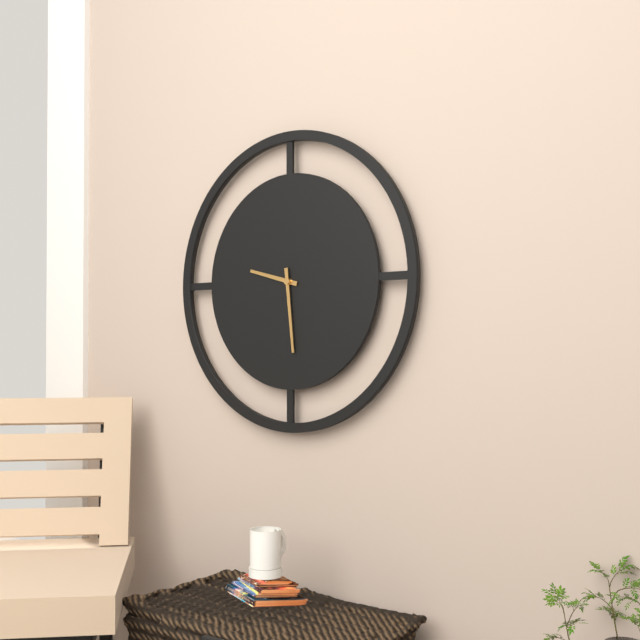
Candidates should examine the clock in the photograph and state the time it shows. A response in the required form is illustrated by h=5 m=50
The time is h=9 m=29
